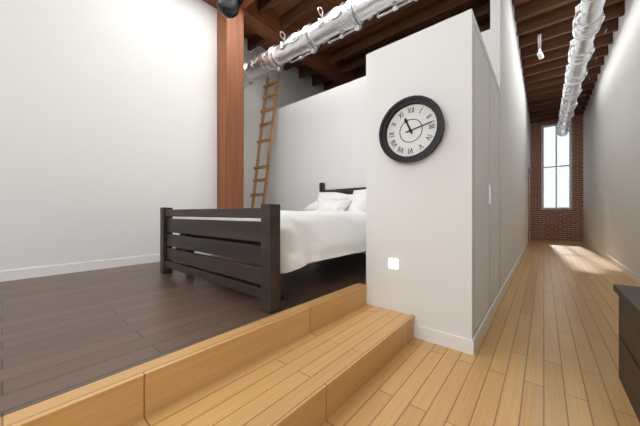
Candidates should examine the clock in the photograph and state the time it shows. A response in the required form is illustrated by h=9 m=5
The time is h=11 m=13
